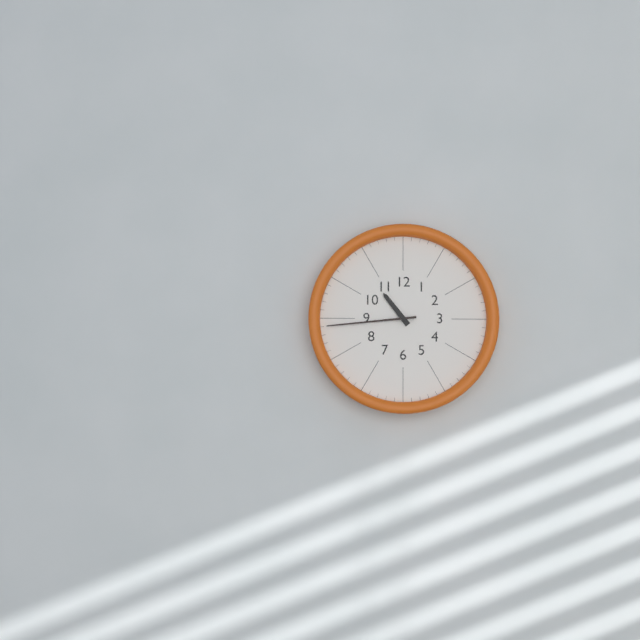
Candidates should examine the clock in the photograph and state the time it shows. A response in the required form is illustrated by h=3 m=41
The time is h=10 m=44
